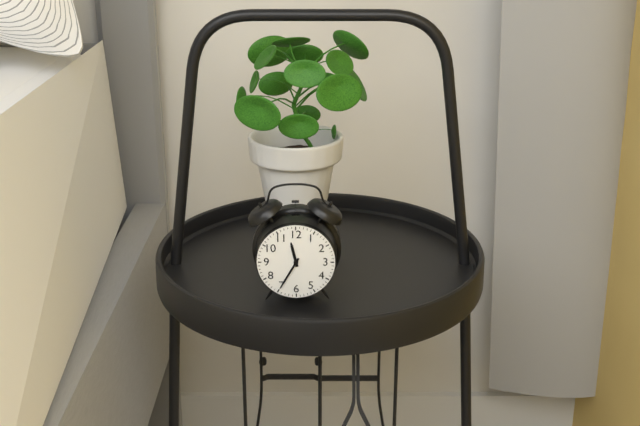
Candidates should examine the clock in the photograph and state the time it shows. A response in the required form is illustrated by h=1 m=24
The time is h=11 m=35
